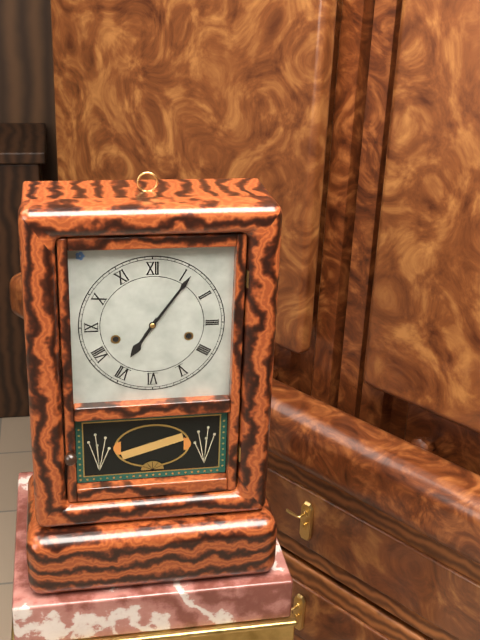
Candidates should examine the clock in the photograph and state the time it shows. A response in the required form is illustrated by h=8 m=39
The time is h=7 m=6
